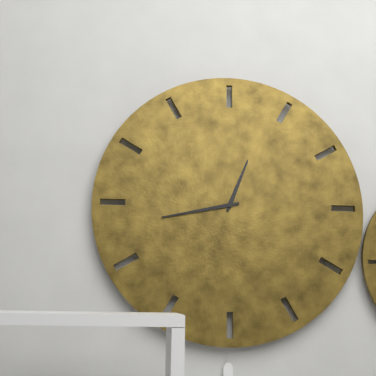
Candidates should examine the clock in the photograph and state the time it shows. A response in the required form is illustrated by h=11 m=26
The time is h=12 m=43
